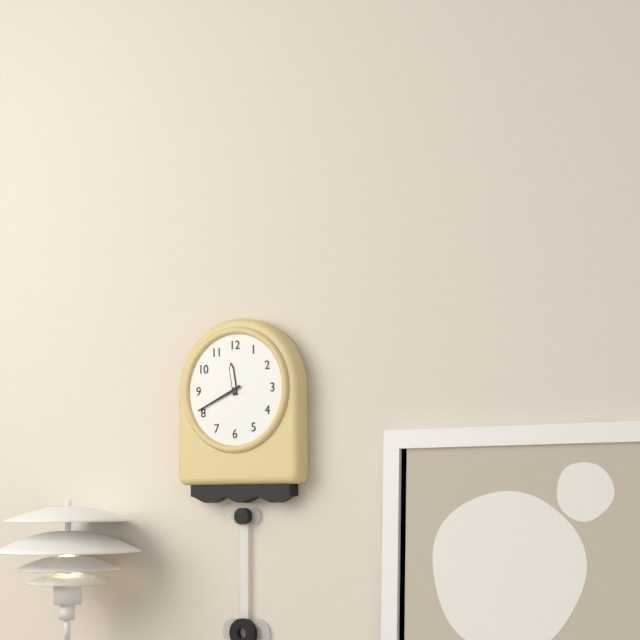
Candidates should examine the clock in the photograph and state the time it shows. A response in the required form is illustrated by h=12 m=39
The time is h=11 m=41
